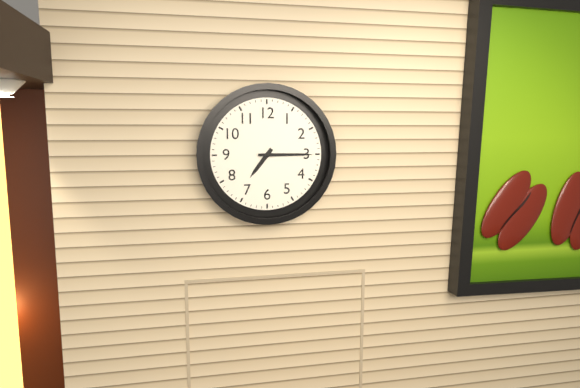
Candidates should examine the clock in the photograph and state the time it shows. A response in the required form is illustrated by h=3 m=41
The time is h=7 m=15
